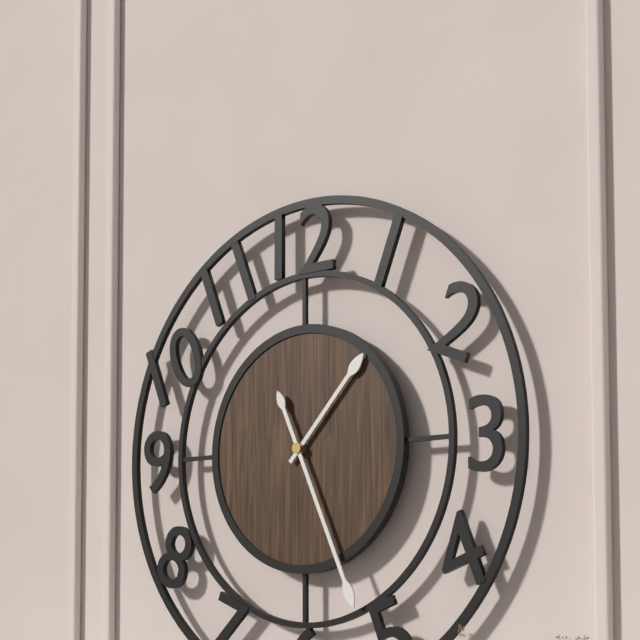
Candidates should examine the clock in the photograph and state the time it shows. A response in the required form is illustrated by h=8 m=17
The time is h=1 m=26
